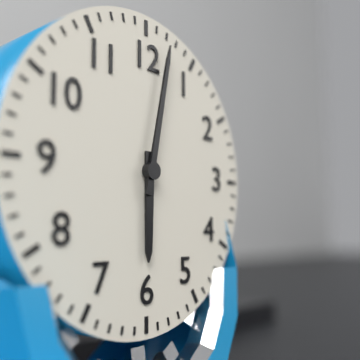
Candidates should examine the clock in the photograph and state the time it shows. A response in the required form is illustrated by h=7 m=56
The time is h=6 m=2
